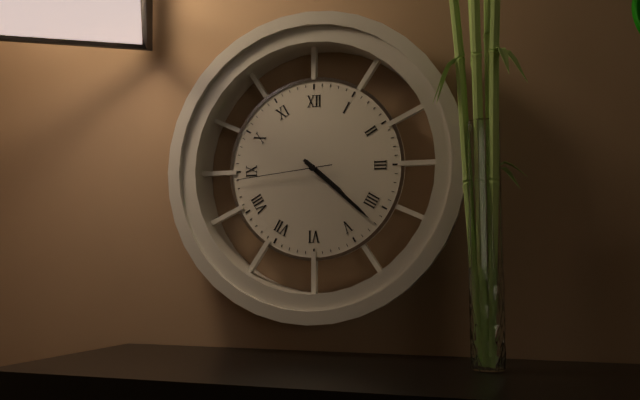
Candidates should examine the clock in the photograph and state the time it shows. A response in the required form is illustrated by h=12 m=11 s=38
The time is h=4 m=22 s=44
